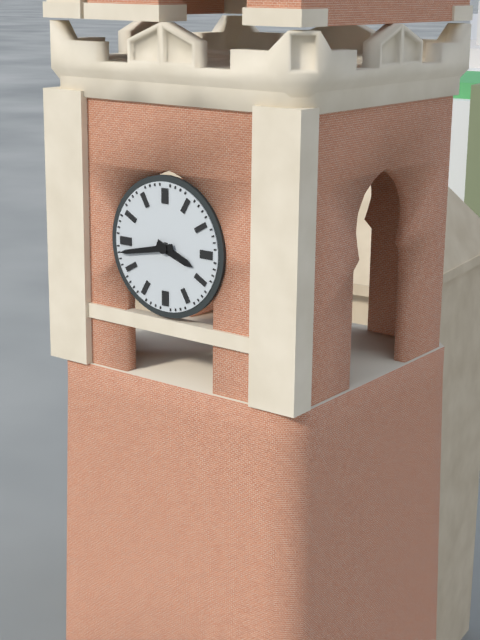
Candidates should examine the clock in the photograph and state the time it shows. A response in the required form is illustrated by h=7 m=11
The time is h=3 m=43
